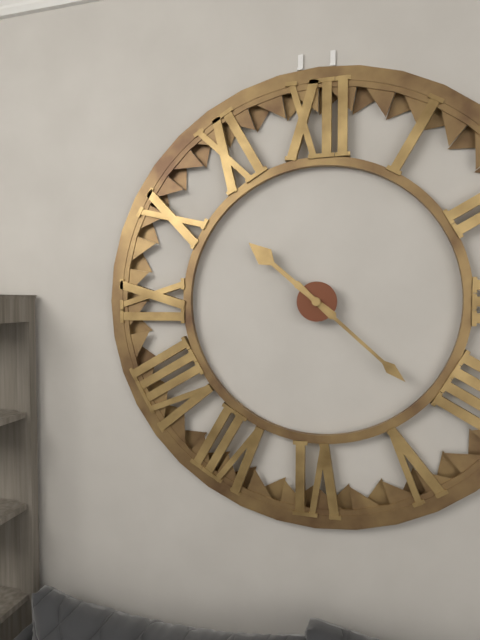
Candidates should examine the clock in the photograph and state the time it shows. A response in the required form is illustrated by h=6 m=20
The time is h=10 m=22
